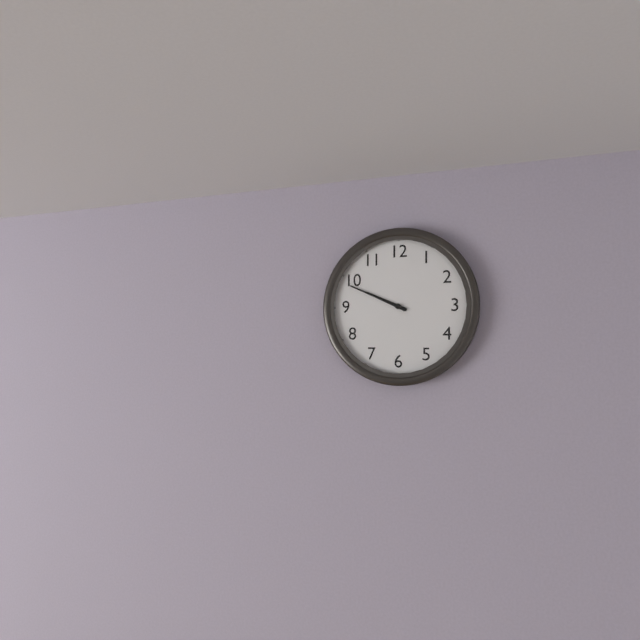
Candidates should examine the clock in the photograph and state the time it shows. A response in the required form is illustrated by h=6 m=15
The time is h=9 m=49
